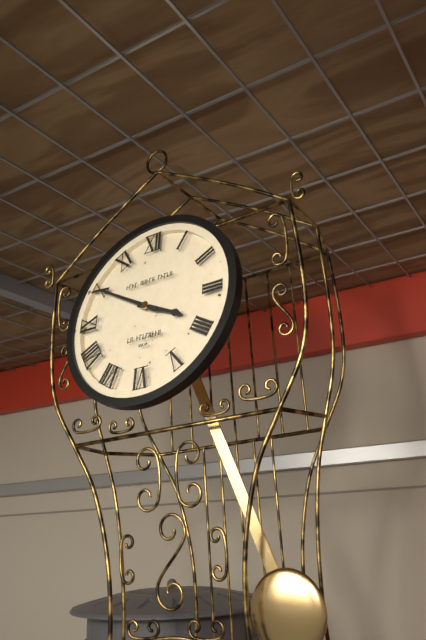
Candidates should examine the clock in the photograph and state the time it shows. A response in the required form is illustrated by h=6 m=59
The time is h=3 m=50
